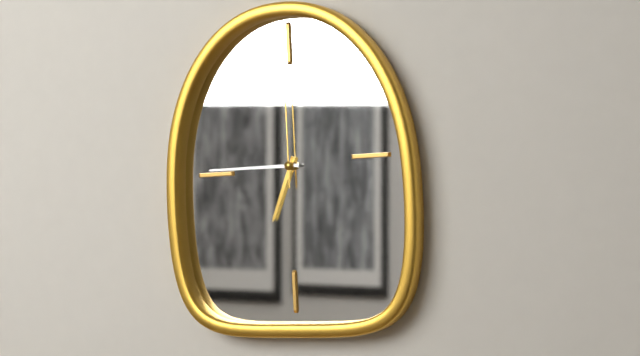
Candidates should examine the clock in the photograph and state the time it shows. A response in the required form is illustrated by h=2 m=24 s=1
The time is h=6 m=45 s=0
